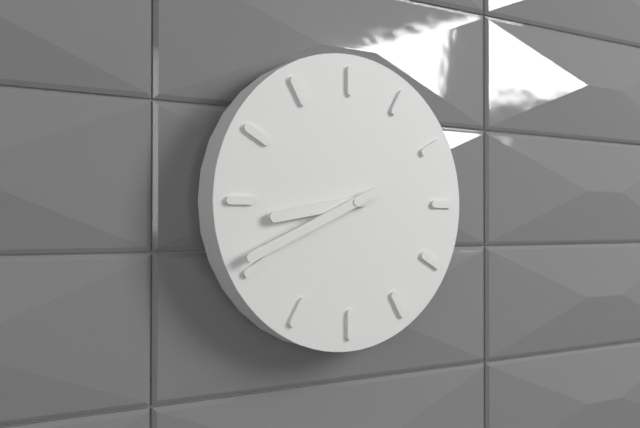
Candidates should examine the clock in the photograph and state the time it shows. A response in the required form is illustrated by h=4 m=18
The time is h=8 m=41
